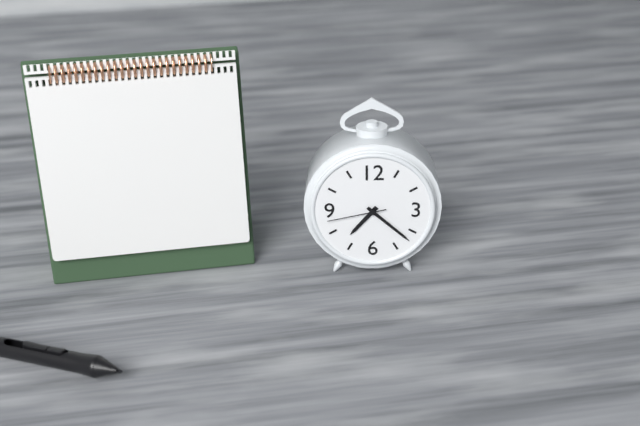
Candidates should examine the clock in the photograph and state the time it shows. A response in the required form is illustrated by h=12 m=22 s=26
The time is h=7 m=22 s=43
